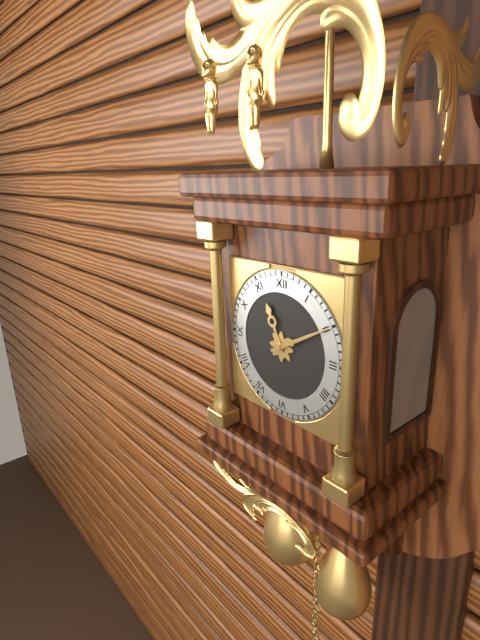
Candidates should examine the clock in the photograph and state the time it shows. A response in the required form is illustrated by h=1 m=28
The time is h=11 m=10
